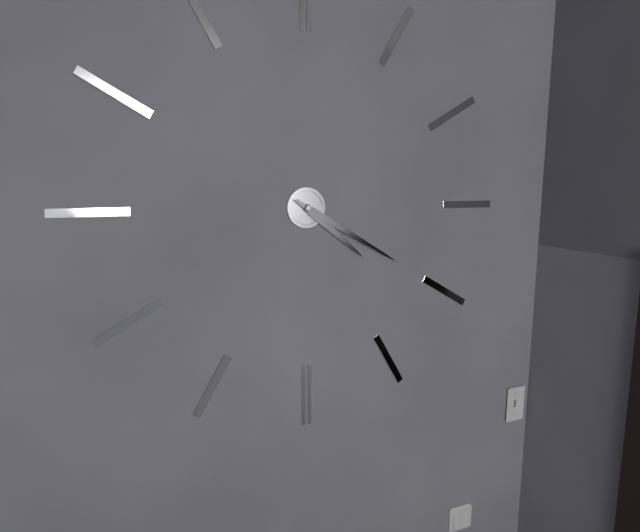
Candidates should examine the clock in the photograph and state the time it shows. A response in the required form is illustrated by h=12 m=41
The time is h=4 m=20
